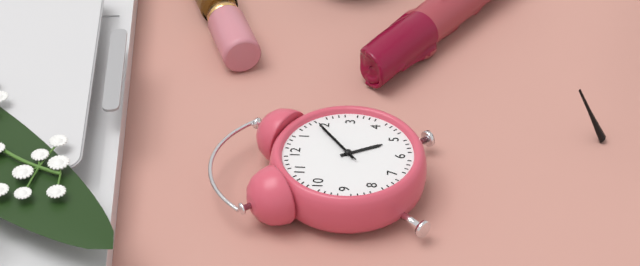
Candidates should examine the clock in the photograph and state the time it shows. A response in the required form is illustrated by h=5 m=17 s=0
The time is h=5 m=9 s=9
